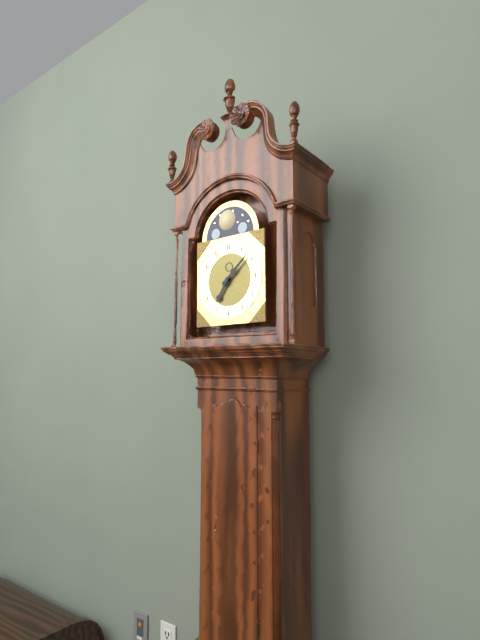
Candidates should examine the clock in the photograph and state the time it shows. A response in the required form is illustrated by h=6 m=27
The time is h=7 m=8
